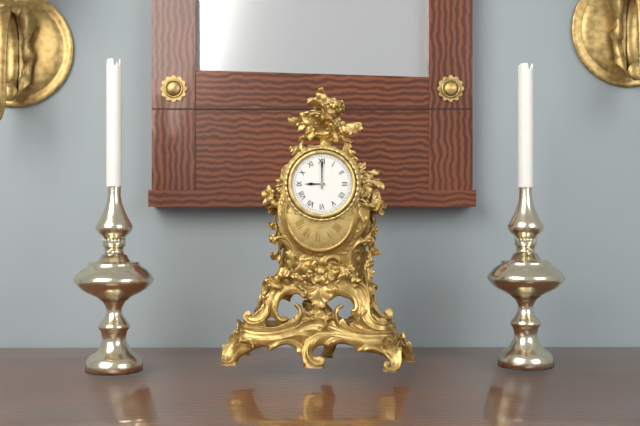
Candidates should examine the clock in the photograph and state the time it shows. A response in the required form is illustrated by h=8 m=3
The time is h=9 m=0
